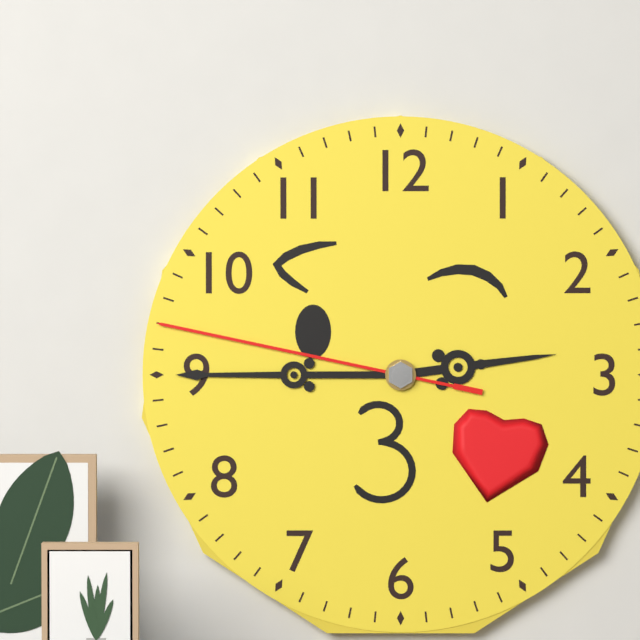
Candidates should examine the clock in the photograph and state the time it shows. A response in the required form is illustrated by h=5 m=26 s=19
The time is h=2 m=45 s=47
